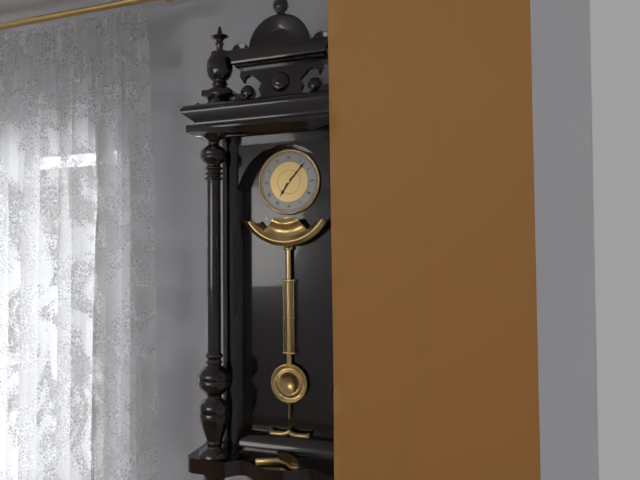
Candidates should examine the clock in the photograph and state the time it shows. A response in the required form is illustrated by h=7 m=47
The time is h=7 m=7
